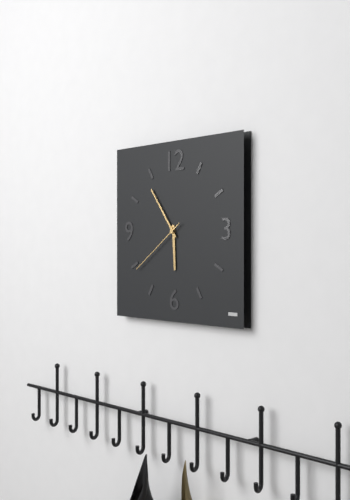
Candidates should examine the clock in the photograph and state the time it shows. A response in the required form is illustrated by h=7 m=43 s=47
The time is h=5 m=54 s=39
